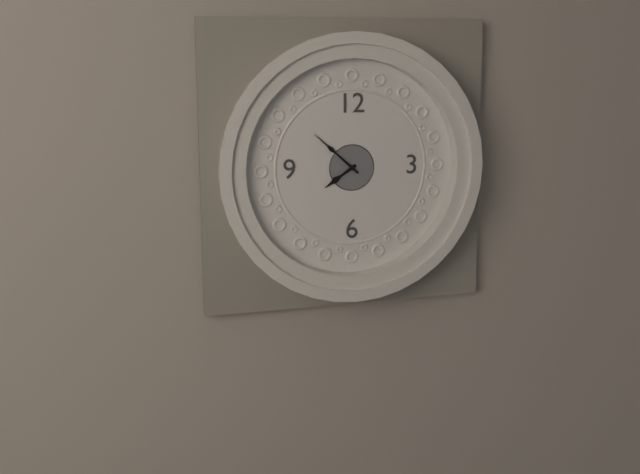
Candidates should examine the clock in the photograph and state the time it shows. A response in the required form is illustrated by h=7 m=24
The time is h=7 m=52
